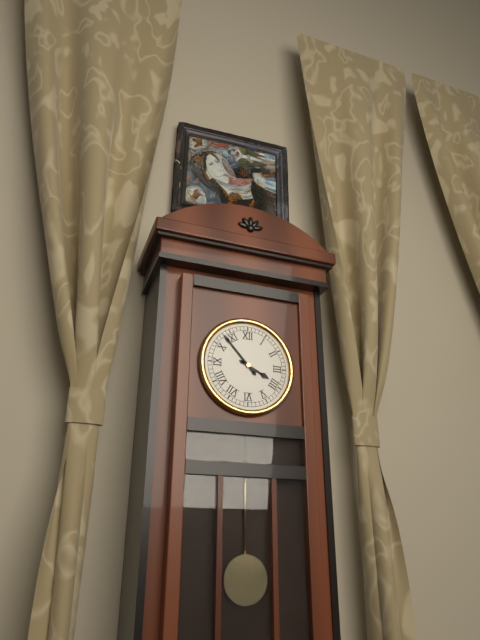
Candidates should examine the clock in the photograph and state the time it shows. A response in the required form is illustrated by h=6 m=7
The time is h=3 m=53
